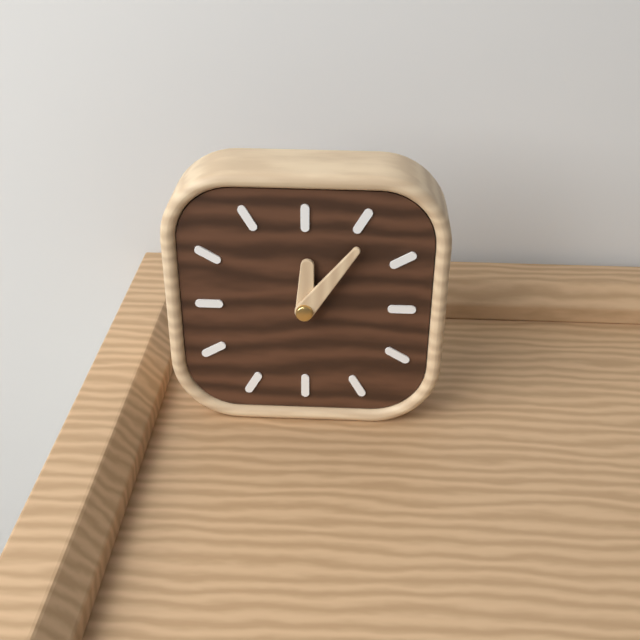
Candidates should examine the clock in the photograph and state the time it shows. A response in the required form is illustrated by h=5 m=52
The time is h=12 m=6
